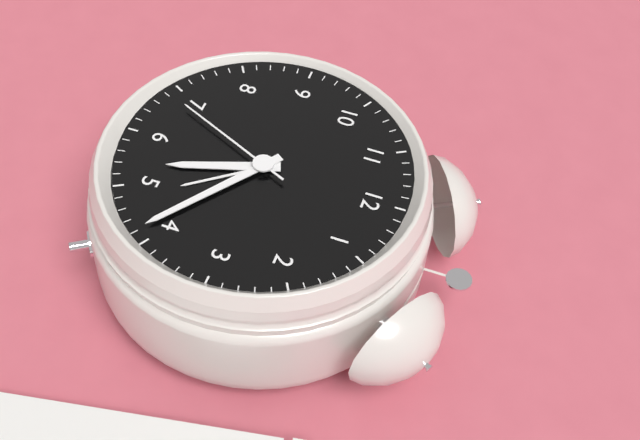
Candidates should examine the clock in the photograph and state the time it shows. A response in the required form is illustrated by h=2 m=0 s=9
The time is h=5 m=21 s=34
